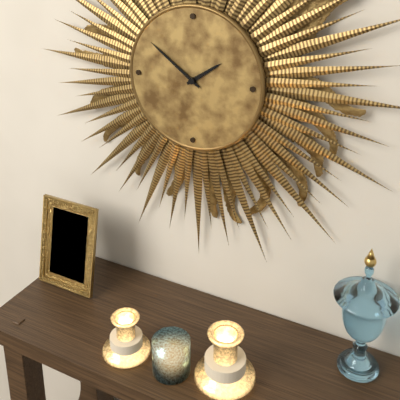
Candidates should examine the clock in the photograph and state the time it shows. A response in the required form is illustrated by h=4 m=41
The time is h=1 m=51
